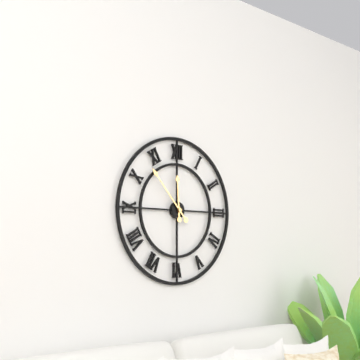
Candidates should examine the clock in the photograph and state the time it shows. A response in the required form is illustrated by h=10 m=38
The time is h=11 m=53
